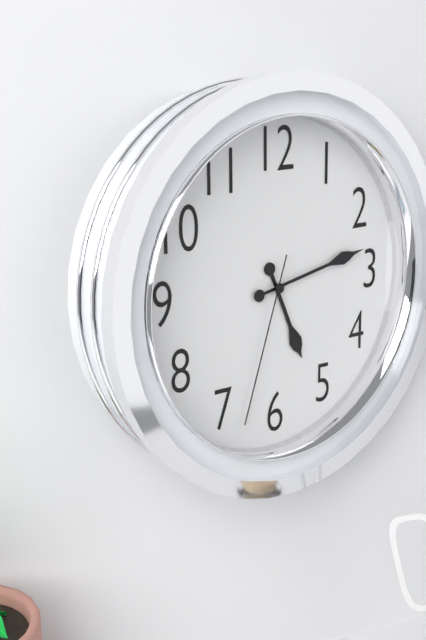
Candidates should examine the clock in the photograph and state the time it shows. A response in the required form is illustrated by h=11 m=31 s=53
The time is h=5 m=13 s=33
